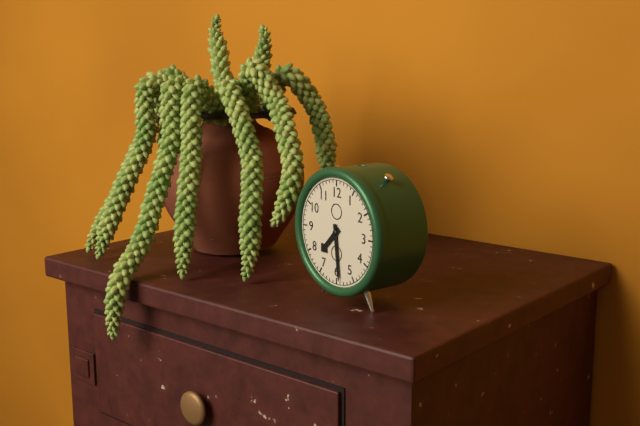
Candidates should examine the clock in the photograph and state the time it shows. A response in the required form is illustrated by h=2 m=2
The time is h=7 m=29
